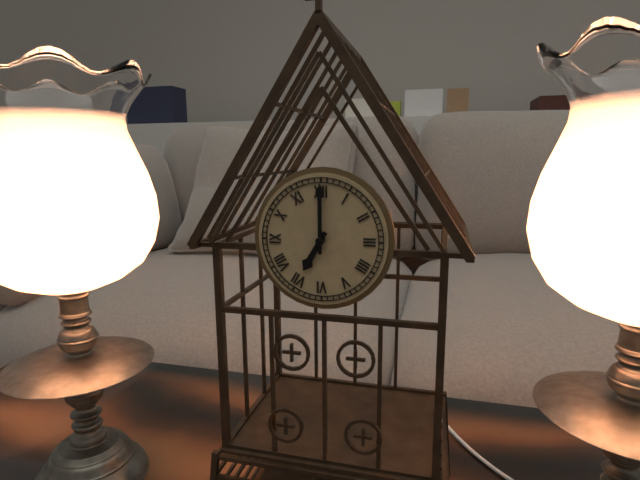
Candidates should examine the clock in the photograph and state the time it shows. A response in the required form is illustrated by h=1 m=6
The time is h=7 m=0
